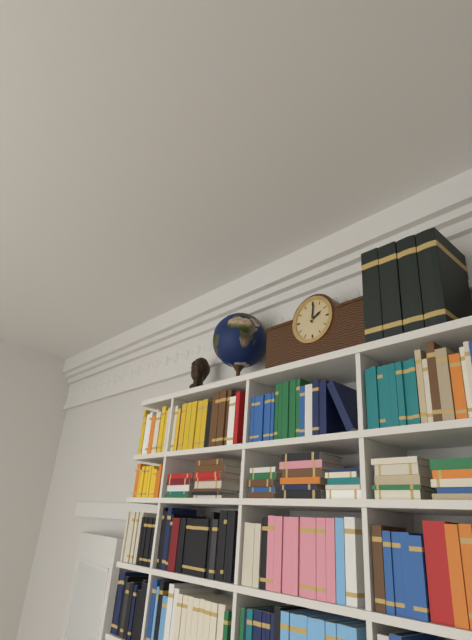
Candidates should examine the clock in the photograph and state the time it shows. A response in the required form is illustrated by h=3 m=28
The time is h=2 m=1
